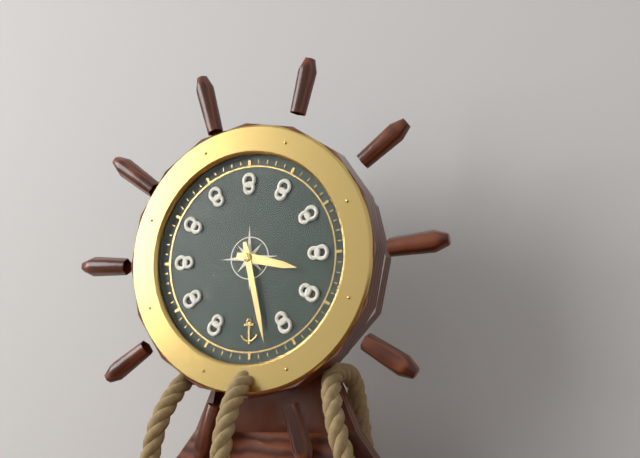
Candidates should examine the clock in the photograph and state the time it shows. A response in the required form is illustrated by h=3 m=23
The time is h=3 m=28
